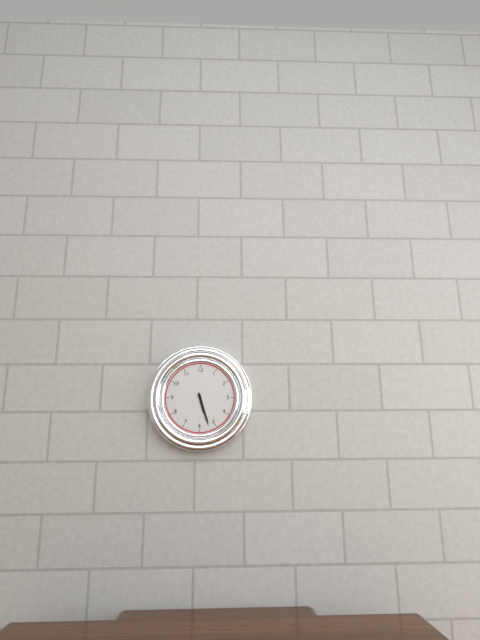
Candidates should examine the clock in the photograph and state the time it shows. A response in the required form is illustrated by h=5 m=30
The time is h=5 m=27
